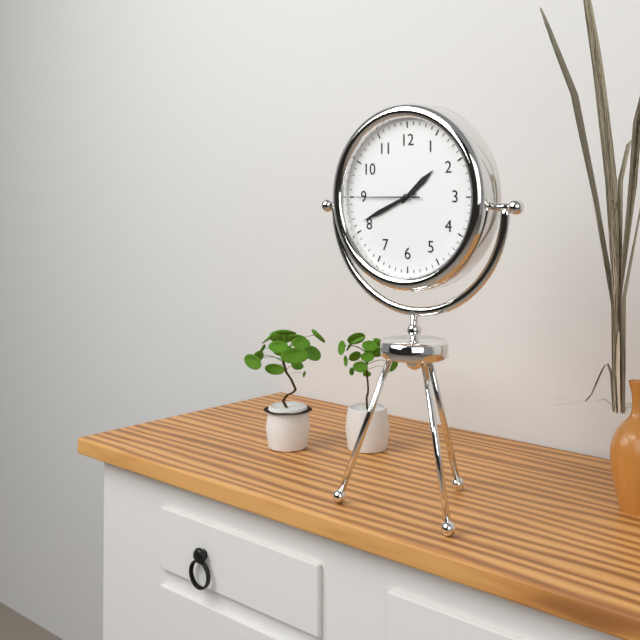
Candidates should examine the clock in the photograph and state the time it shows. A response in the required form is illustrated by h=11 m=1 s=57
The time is h=1 m=41 s=45
